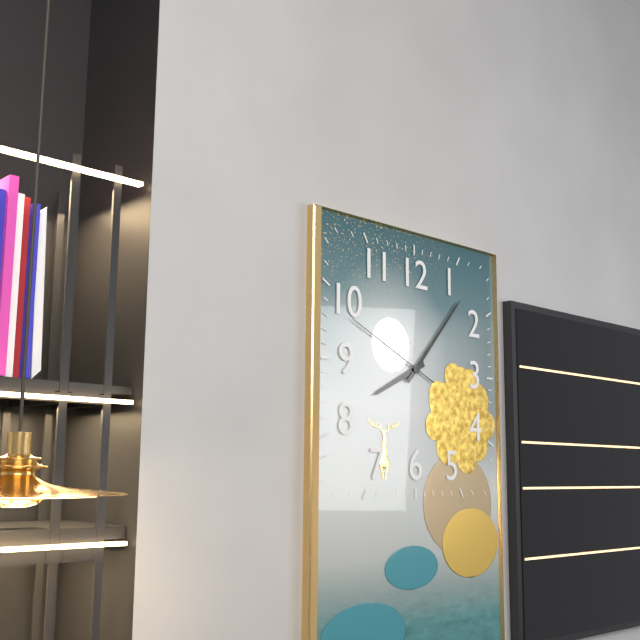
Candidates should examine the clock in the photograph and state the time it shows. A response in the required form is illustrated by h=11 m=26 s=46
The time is h=8 m=7 s=49
